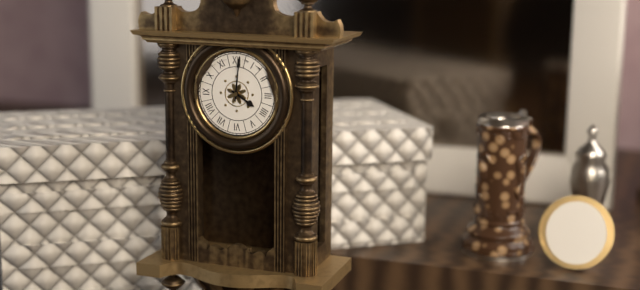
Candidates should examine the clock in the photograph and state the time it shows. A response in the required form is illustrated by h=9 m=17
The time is h=4 m=1
